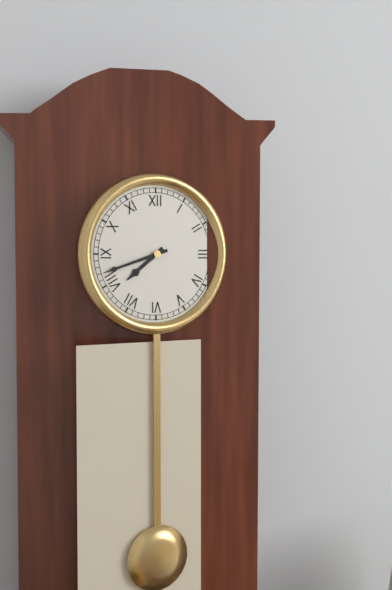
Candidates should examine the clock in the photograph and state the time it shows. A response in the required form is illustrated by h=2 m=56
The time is h=7 m=42
